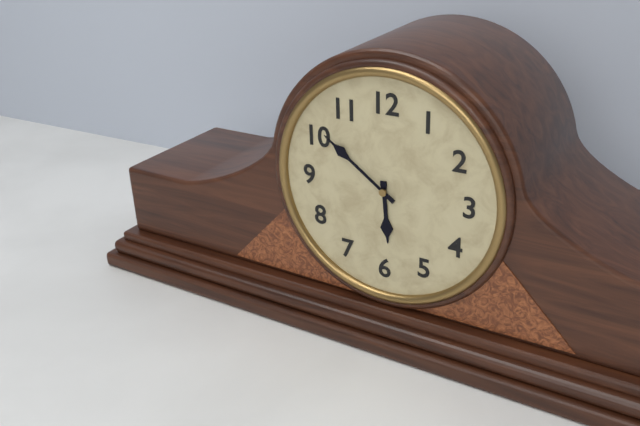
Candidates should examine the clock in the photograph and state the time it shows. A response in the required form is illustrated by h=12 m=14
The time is h=5 m=51
